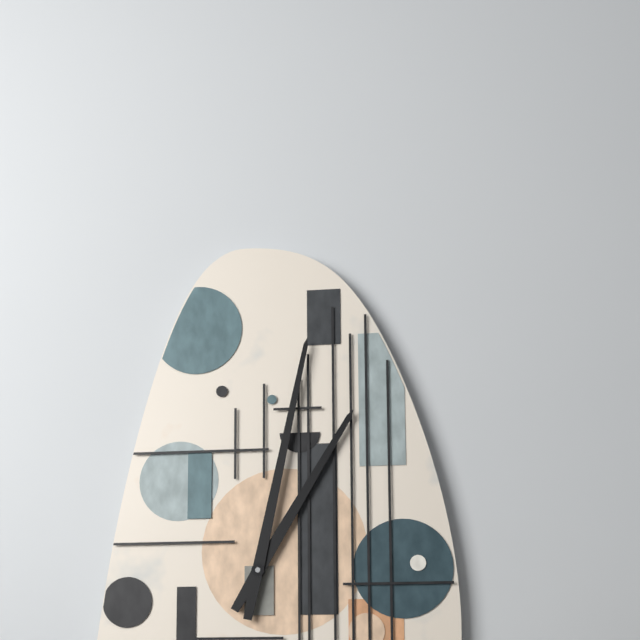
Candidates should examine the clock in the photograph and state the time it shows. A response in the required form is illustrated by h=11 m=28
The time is h=1 m=2
